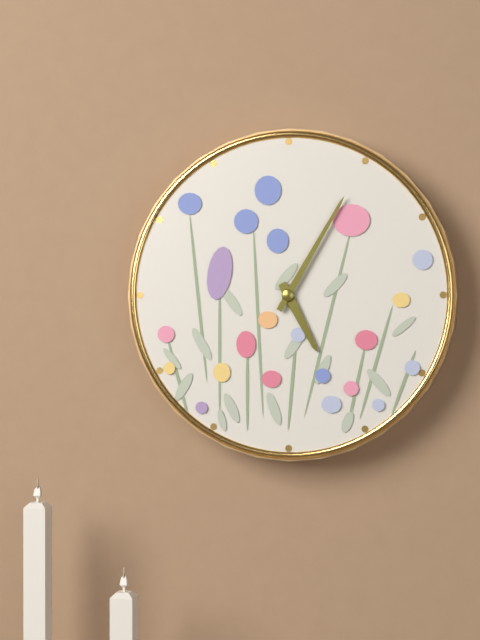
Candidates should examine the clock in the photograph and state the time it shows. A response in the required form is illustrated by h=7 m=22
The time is h=5 m=5
